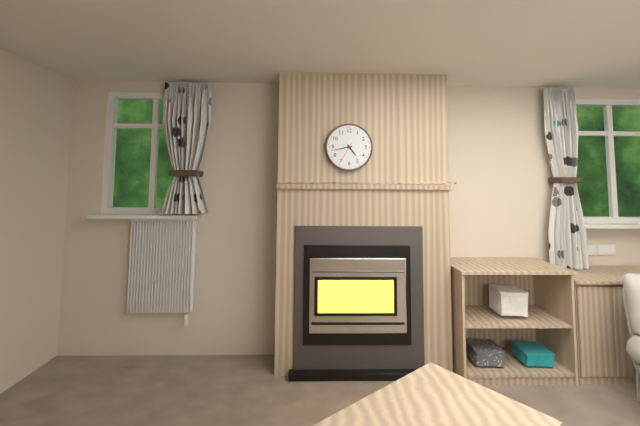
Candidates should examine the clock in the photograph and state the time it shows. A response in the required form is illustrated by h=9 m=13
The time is h=4 m=43
